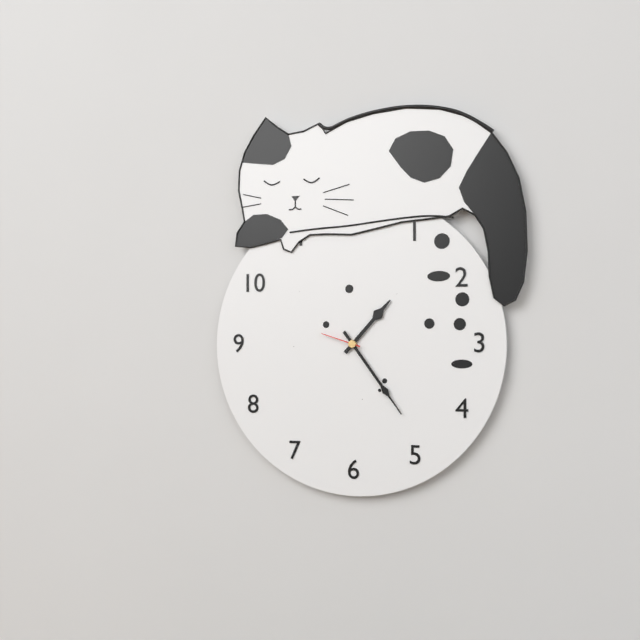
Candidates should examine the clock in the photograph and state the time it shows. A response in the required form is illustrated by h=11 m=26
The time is h=1 m=24
